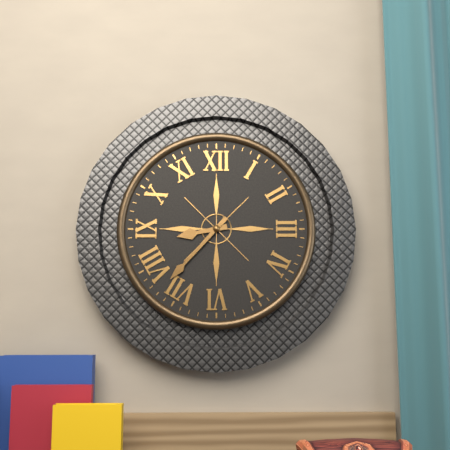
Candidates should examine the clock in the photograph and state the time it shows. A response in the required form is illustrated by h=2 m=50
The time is h=8 m=37
